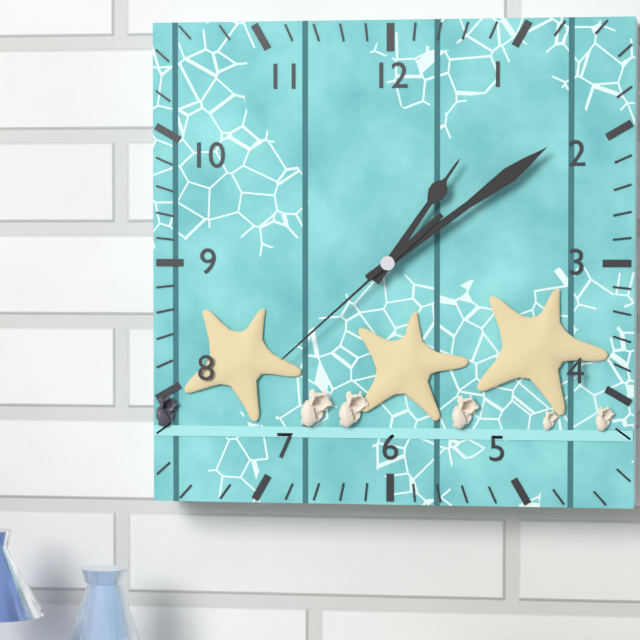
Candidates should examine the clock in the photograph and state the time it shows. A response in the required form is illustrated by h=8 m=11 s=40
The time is h=1 m=9 s=38
